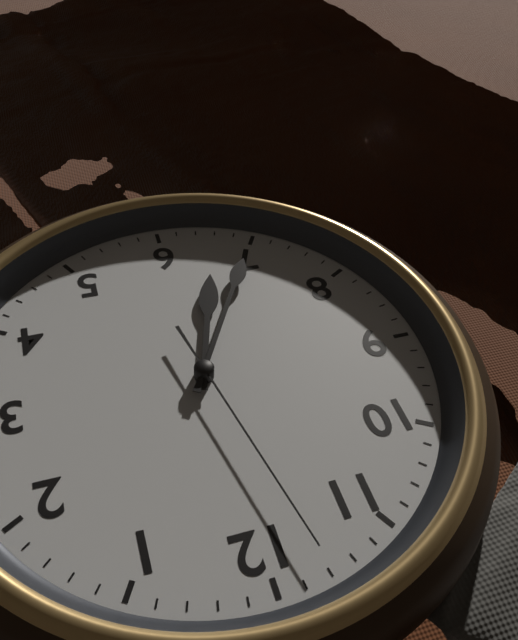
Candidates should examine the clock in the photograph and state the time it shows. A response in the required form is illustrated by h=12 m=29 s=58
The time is h=6 m=35 s=58
